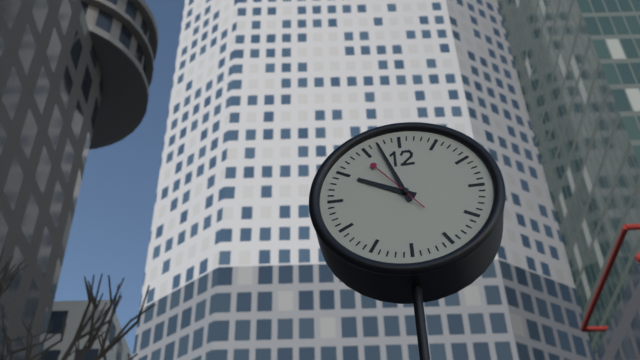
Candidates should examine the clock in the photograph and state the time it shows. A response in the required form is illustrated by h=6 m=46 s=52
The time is h=9 m=57 s=54
